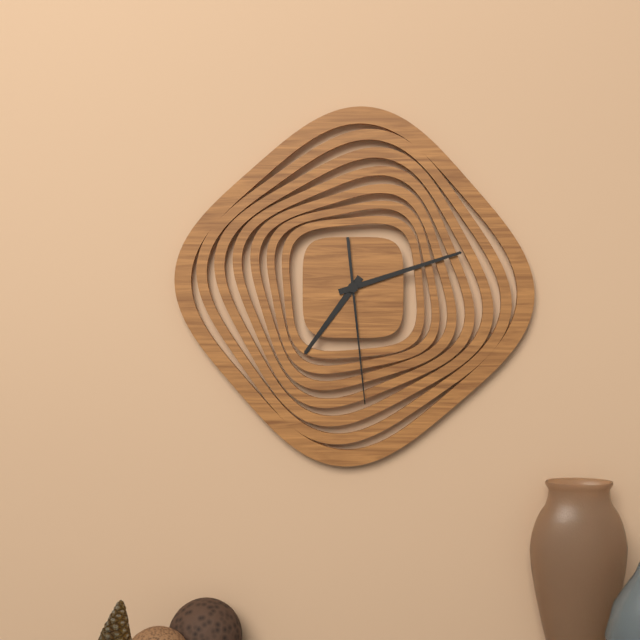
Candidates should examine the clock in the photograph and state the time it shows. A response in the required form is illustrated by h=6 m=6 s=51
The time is h=7 m=12 s=29
